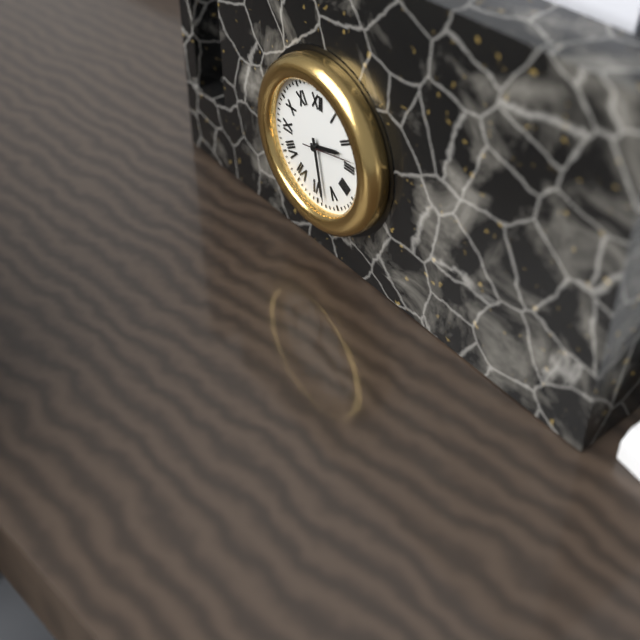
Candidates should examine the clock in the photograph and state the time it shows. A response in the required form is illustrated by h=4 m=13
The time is h=2 m=28
